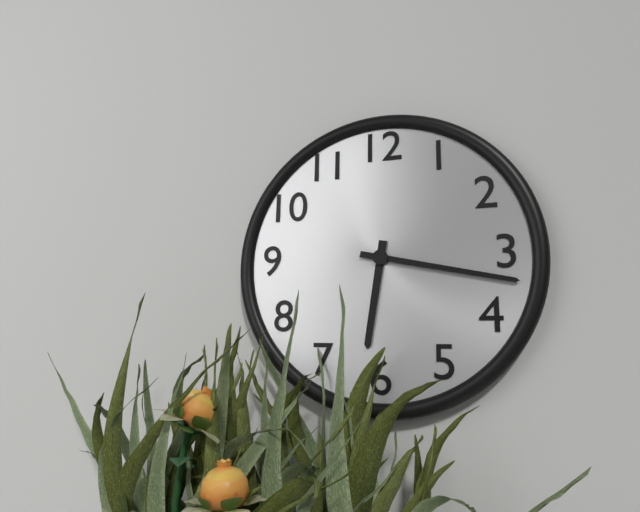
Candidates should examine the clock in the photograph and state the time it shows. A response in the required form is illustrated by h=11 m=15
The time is h=6 m=17
